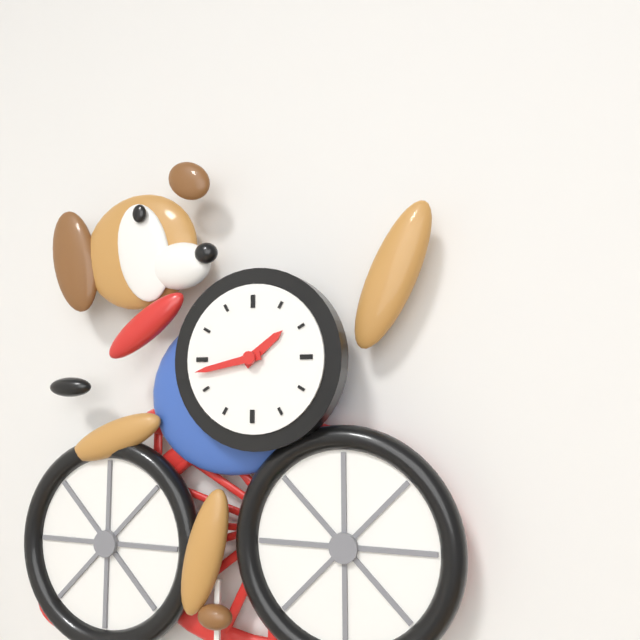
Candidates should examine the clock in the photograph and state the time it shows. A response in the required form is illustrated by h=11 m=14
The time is h=1 m=43
